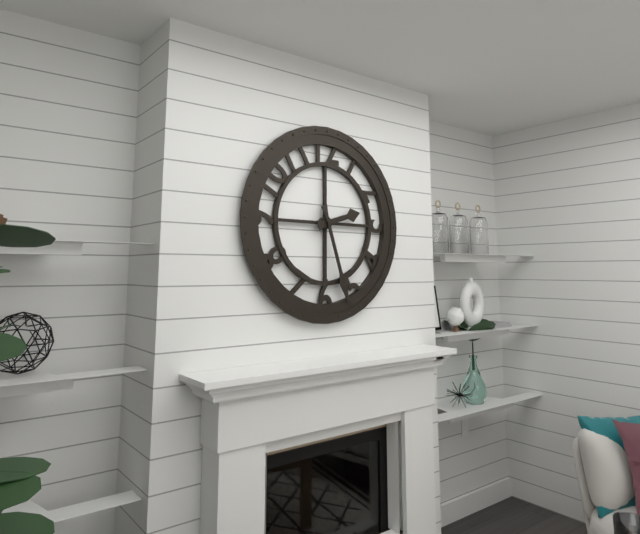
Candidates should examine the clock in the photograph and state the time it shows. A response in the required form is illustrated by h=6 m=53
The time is h=2 m=27
